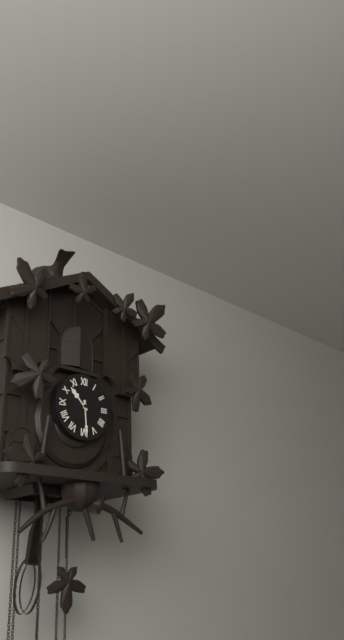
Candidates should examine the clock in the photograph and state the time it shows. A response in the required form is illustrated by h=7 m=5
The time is h=10 m=29
